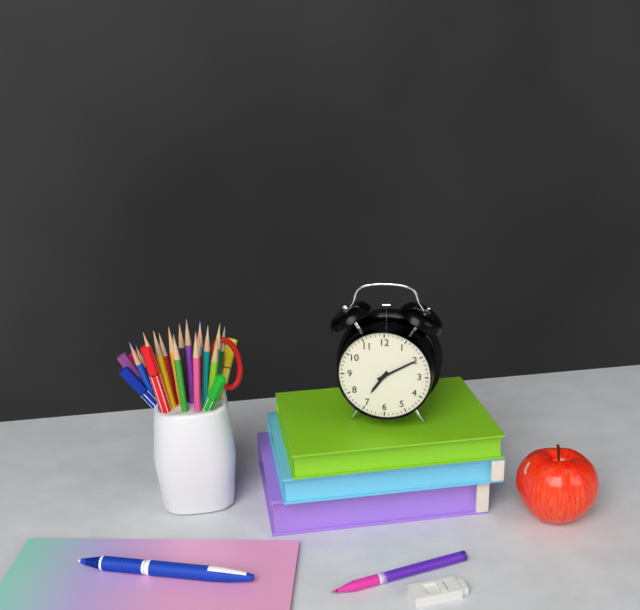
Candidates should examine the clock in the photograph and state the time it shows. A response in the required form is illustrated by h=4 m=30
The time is h=7 m=10
